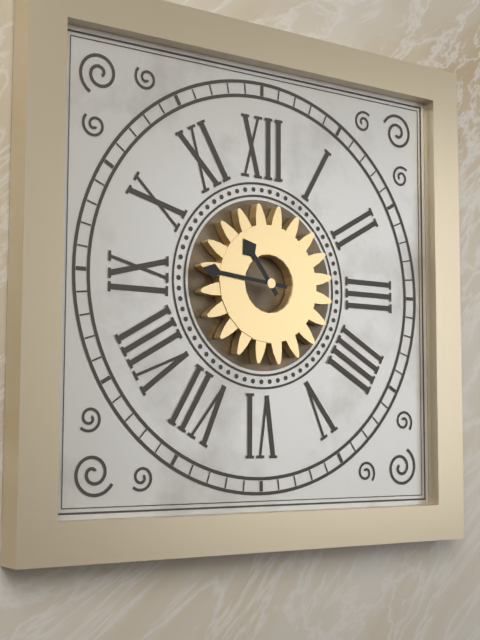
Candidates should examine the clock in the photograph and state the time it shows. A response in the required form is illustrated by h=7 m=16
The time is h=10 m=46
